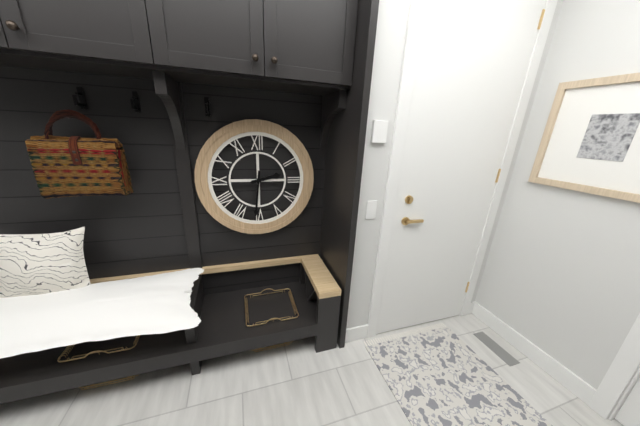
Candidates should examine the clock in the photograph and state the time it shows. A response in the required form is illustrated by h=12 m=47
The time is h=2 m=31
